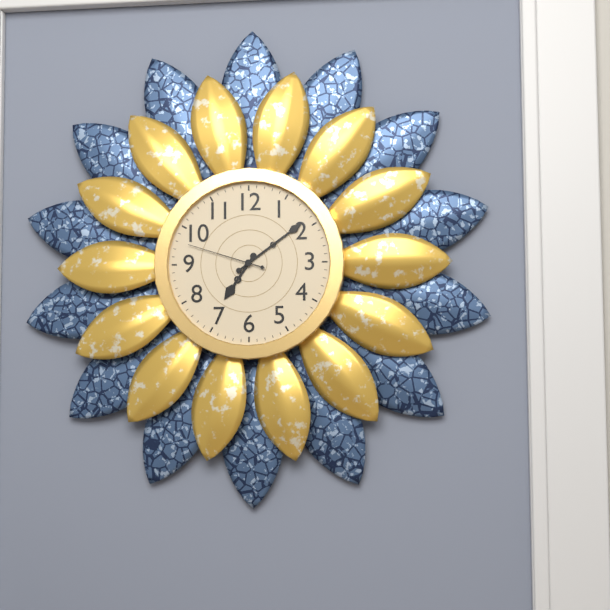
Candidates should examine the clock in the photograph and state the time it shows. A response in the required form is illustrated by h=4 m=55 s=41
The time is h=7 m=9 s=48
